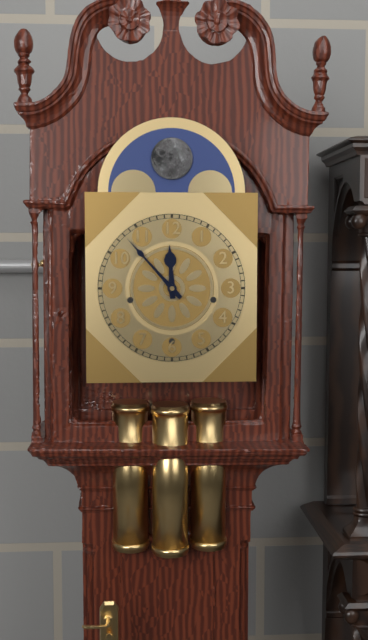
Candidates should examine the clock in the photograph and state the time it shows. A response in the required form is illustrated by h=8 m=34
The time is h=11 m=53
